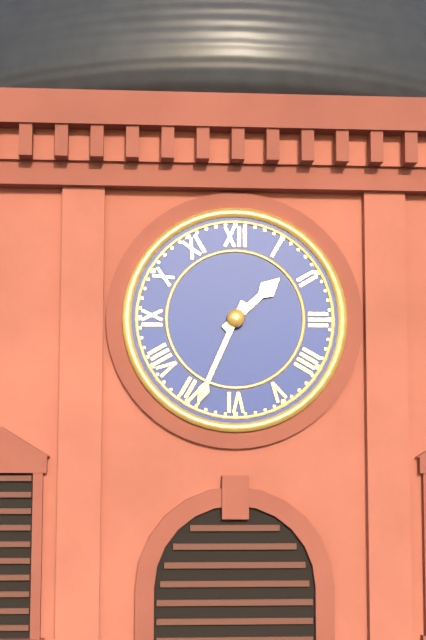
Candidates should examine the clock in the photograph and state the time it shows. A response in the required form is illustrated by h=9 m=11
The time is h=1 m=34
